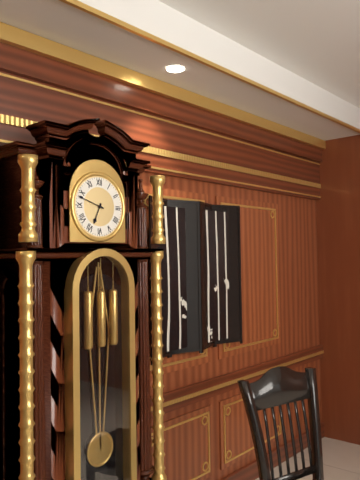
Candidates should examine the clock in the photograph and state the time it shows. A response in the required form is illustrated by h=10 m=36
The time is h=6 m=48
